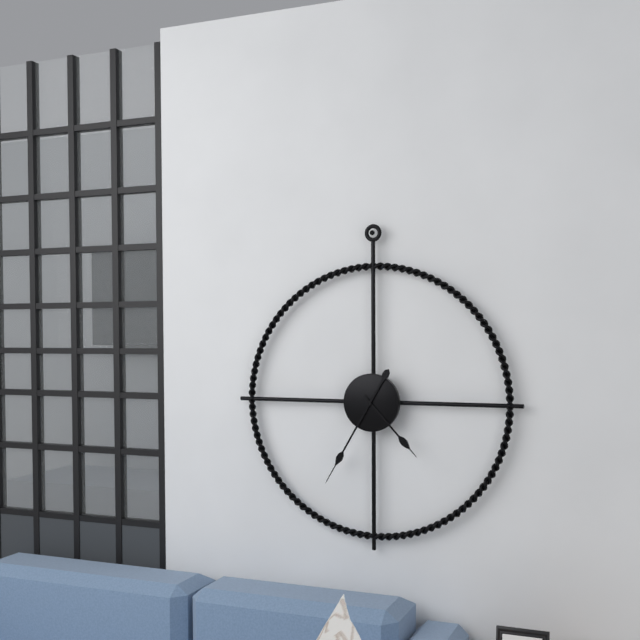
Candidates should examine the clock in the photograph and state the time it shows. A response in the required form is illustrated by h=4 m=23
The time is h=4 m=35
